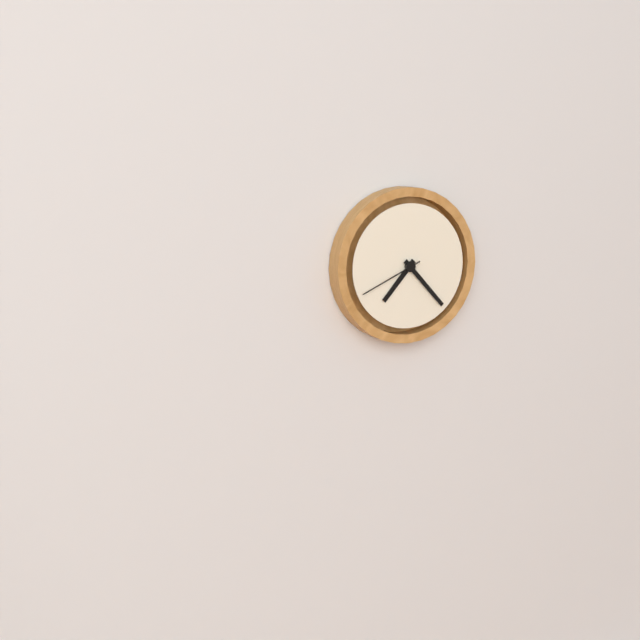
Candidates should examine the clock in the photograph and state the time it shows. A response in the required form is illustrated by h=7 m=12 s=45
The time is h=7 m=23 s=41
